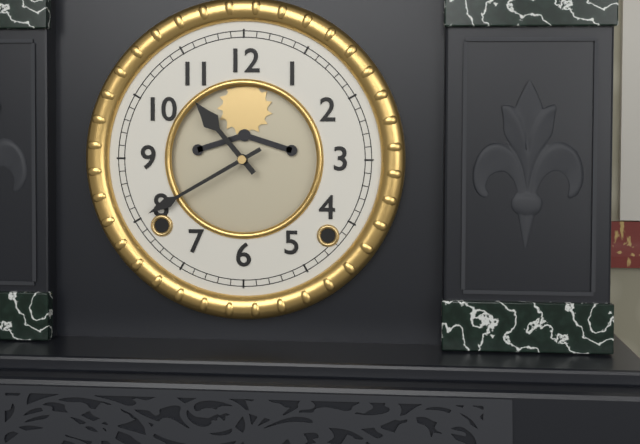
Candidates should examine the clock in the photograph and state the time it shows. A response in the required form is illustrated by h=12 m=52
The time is h=10 m=40
